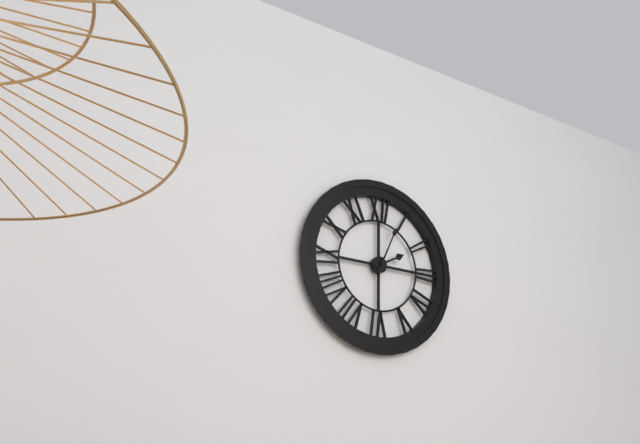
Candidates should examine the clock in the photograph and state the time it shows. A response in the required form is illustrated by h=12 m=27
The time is h=2 m=4
